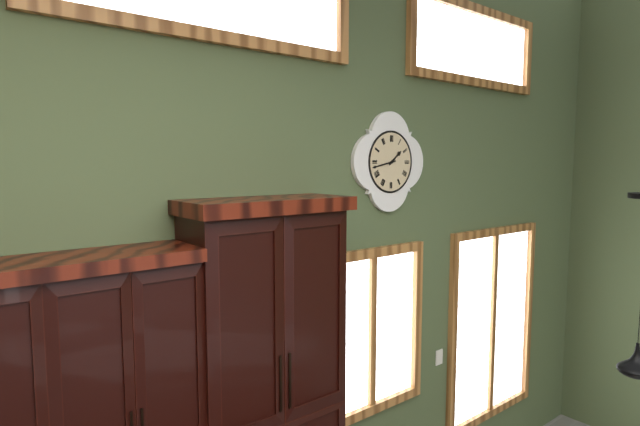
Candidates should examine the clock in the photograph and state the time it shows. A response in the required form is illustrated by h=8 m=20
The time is h=1 m=43
